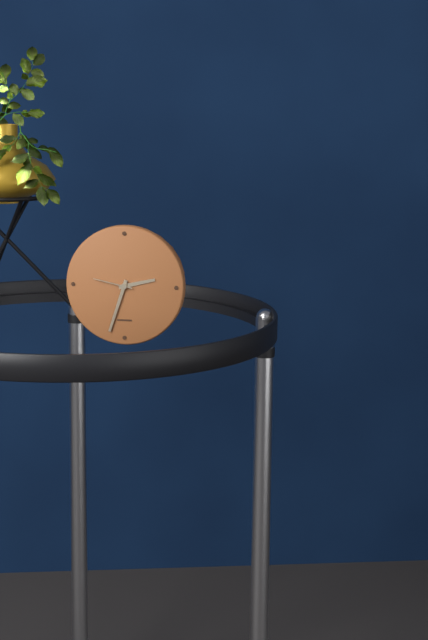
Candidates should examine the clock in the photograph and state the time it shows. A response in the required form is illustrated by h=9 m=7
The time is h=2 m=33
